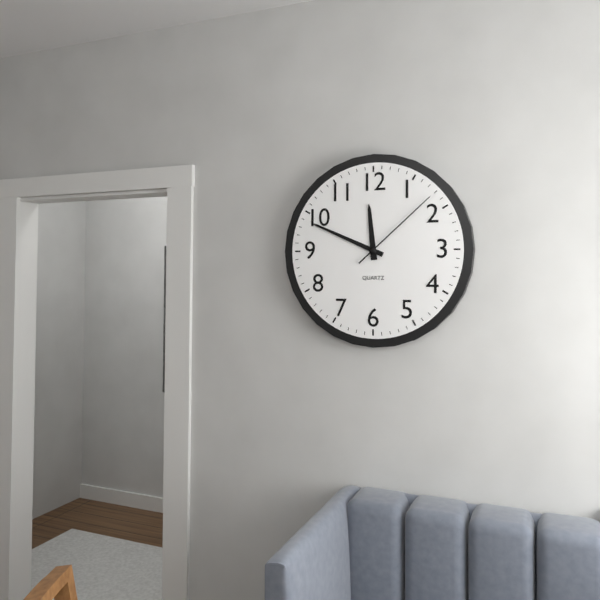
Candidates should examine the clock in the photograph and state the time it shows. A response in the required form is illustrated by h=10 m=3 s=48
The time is h=11 m=49 s=8
